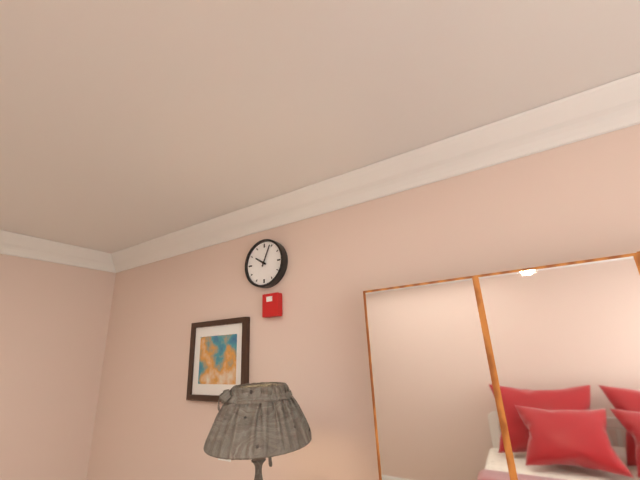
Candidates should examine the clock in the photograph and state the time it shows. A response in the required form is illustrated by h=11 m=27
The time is h=10 m=4
